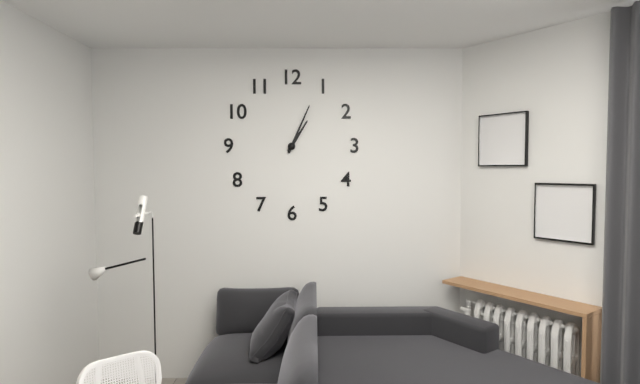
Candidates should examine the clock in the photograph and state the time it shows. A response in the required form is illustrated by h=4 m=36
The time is h=1 m=4
